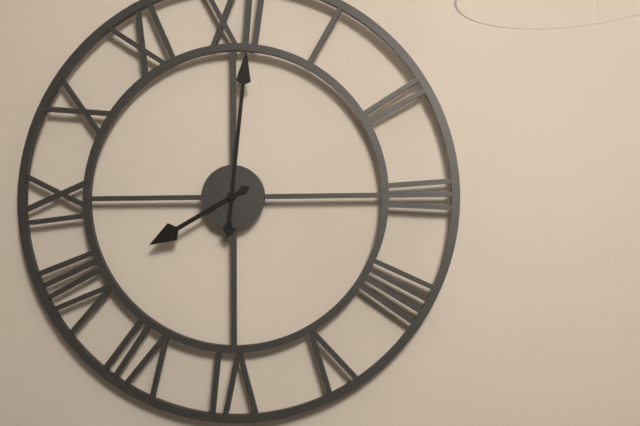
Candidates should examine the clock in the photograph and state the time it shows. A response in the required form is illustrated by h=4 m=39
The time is h=8 m=1
